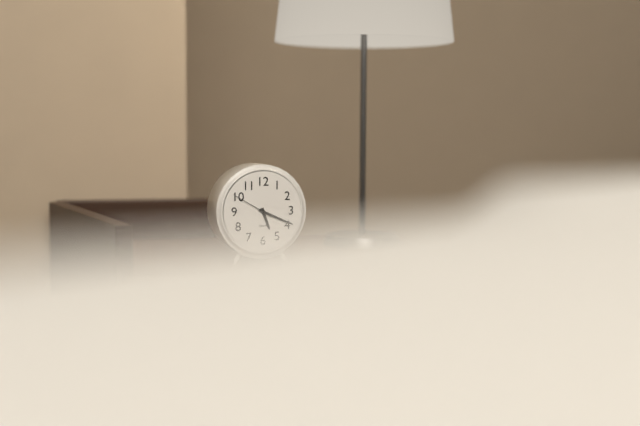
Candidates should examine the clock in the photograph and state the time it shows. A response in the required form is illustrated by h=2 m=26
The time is h=5 m=19
